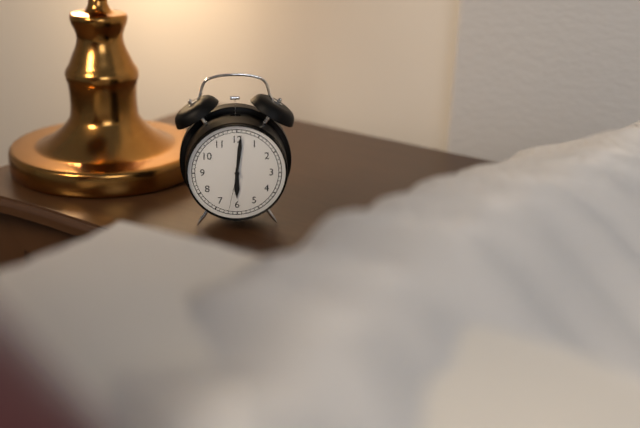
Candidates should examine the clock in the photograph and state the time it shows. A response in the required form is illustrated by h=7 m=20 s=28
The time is h=6 m=1 s=32
